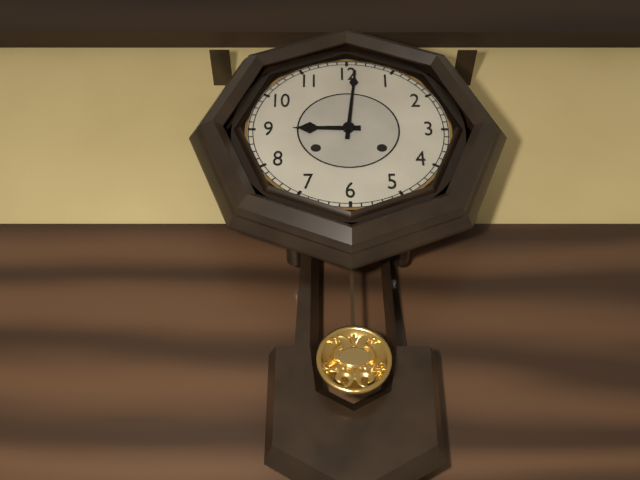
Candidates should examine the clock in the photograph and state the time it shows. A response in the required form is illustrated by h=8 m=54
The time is h=9 m=1
